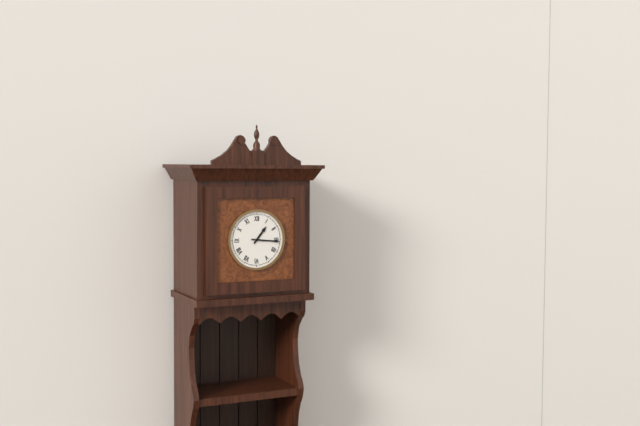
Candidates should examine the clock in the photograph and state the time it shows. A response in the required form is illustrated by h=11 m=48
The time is h=1 m=16
